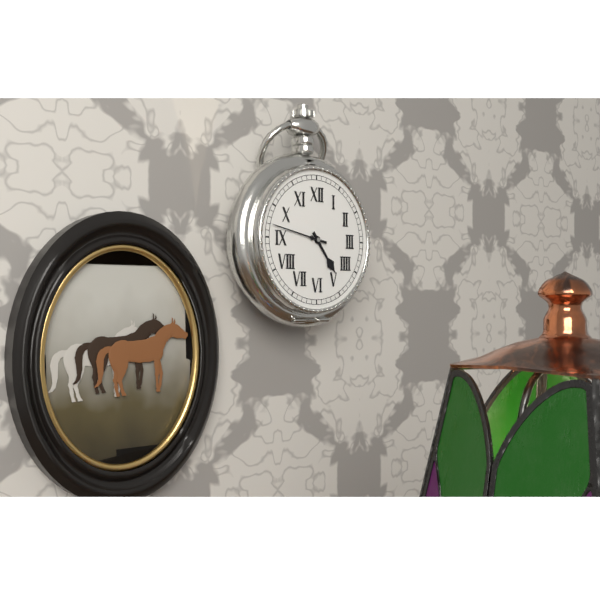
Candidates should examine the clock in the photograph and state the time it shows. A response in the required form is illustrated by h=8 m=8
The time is h=4 m=47
